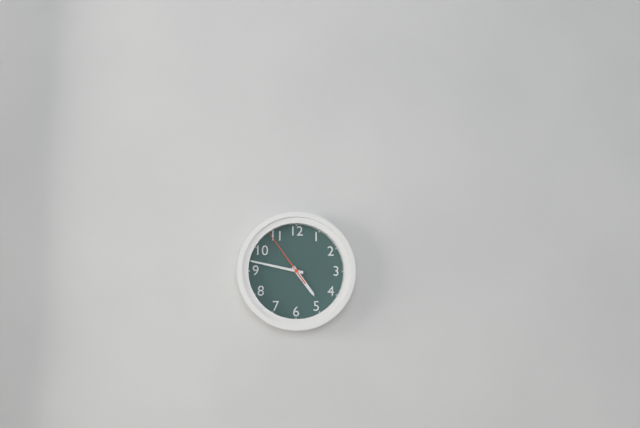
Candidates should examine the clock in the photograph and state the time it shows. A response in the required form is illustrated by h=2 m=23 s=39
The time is h=4 m=47 s=54
